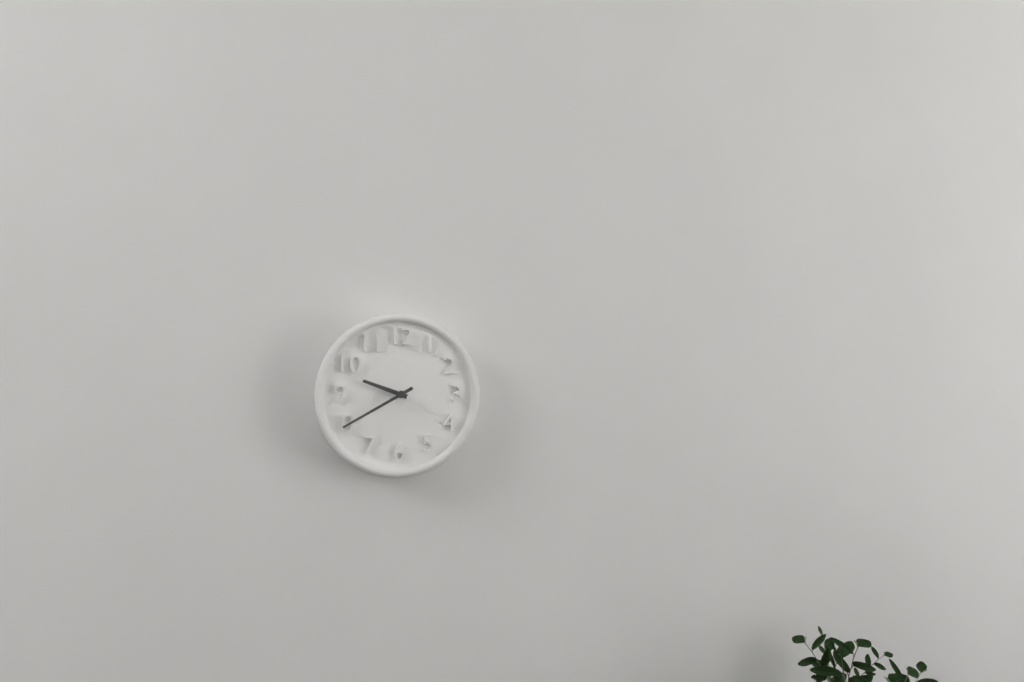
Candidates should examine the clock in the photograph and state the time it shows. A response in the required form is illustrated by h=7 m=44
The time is h=9 m=40
